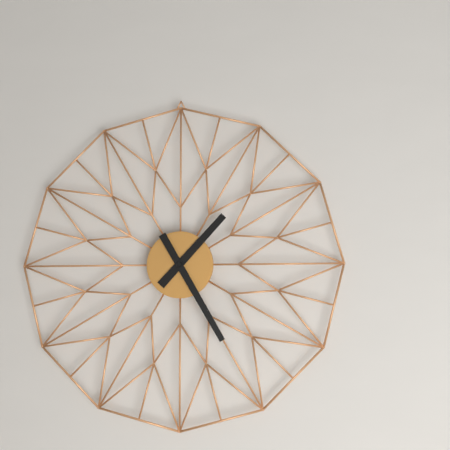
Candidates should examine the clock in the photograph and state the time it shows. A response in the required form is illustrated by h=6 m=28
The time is h=1 m=25
